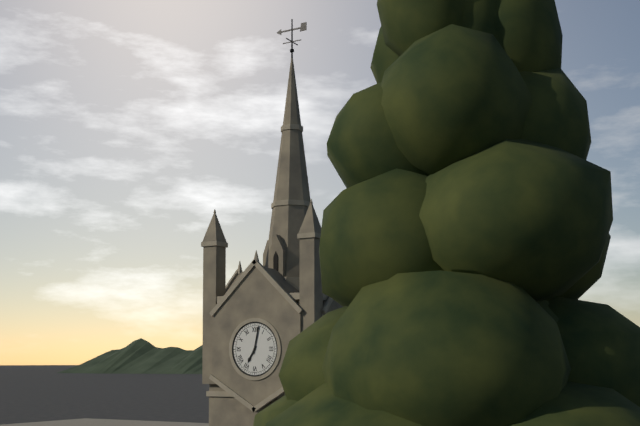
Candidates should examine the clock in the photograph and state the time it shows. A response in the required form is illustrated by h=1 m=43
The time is h=7 m=2
